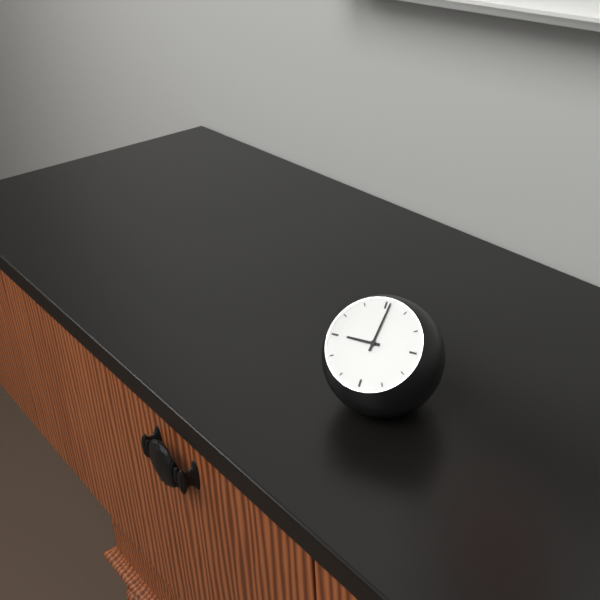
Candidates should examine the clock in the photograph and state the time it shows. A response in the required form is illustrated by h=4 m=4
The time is h=9 m=1
